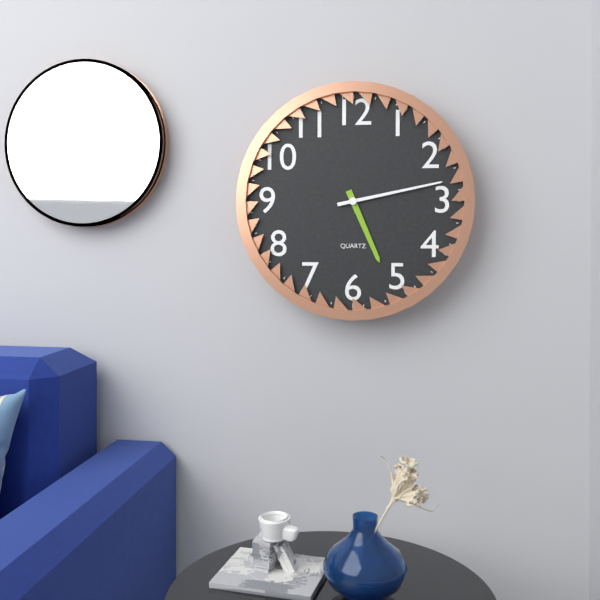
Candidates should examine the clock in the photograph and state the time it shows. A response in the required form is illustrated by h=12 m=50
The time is h=5 m=13
